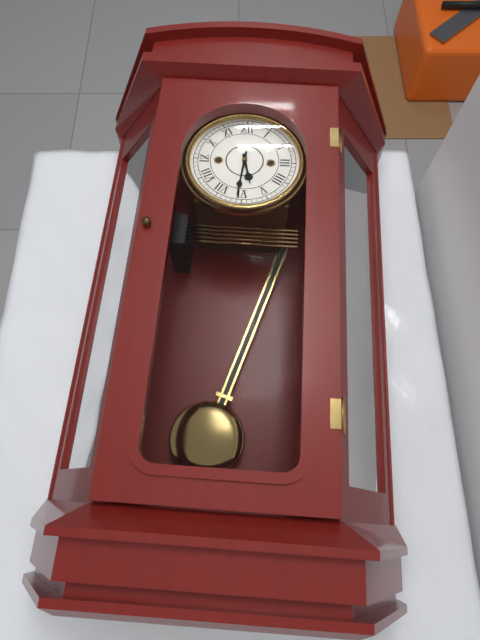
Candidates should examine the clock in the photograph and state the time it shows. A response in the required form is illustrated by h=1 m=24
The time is h=5 m=31
